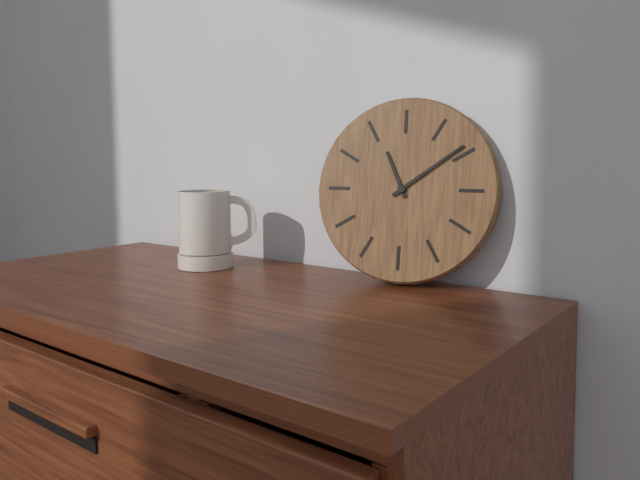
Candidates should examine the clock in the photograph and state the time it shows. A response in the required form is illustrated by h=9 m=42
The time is h=11 m=9
